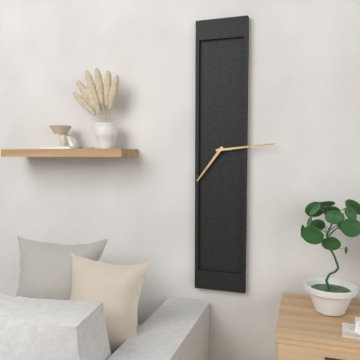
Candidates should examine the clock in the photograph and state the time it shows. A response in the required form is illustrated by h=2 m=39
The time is h=7 m=14
